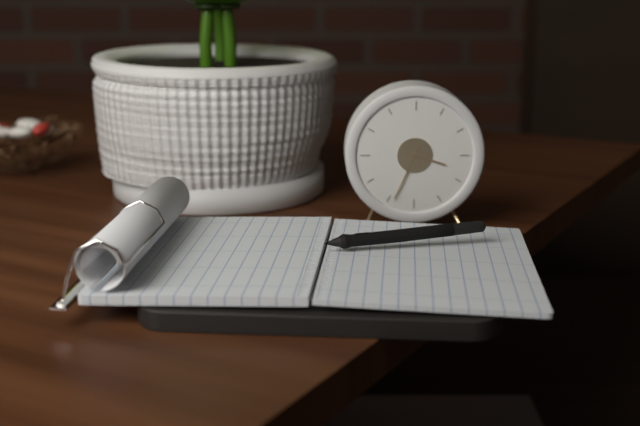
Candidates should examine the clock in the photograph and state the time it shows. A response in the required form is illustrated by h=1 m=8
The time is h=3 m=34
